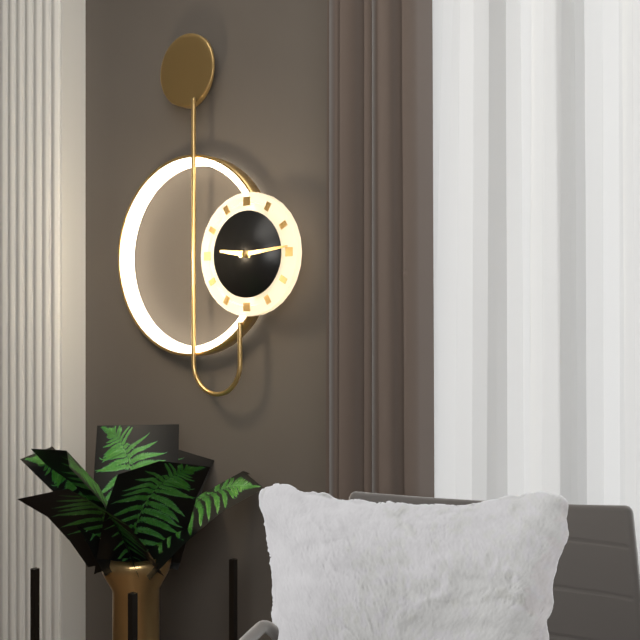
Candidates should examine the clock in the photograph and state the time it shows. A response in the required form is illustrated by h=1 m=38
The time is h=9 m=14
